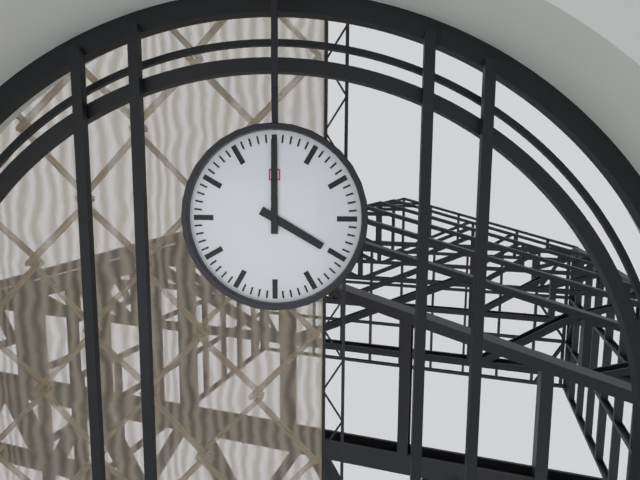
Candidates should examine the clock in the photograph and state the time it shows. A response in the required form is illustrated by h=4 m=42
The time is h=4 m=0
